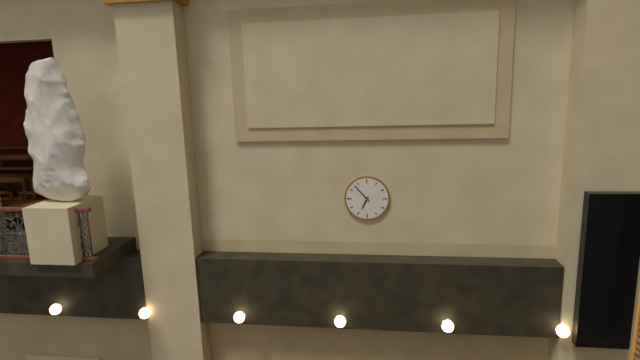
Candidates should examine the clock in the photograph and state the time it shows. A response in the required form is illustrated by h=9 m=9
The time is h=6 m=53
